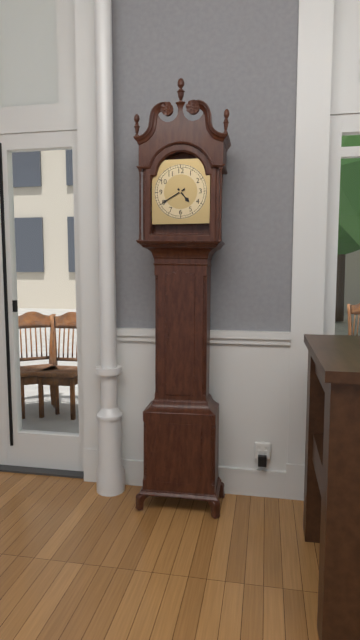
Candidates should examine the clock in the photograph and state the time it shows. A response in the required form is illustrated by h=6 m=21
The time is h=4 m=40
